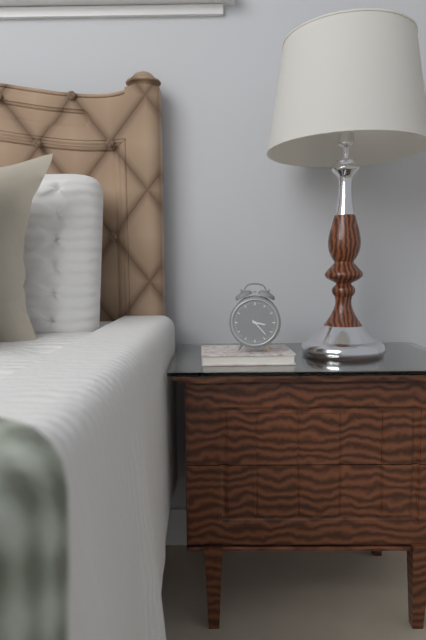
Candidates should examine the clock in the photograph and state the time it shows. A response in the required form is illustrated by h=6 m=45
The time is h=3 m=23
